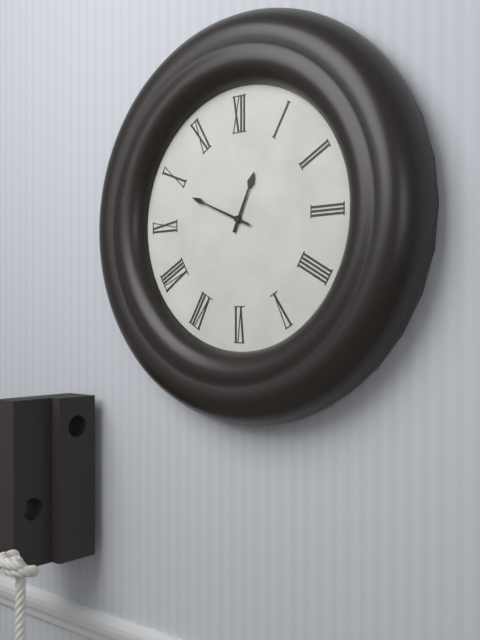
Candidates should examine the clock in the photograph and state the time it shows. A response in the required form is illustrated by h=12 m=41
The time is h=12 m=49
